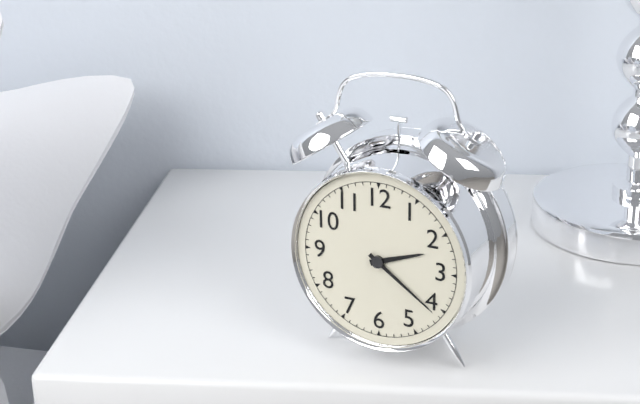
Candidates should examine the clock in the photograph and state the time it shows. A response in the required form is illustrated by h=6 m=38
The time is h=2 m=21
